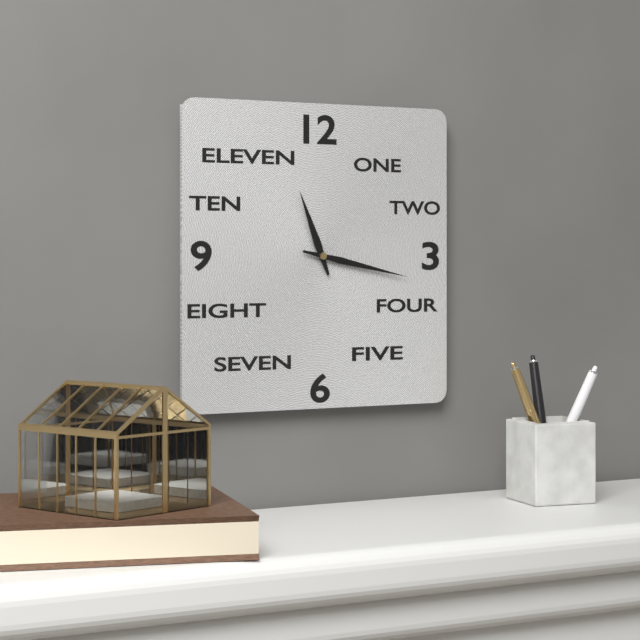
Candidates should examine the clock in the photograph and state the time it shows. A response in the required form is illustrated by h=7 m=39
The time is h=11 m=17
